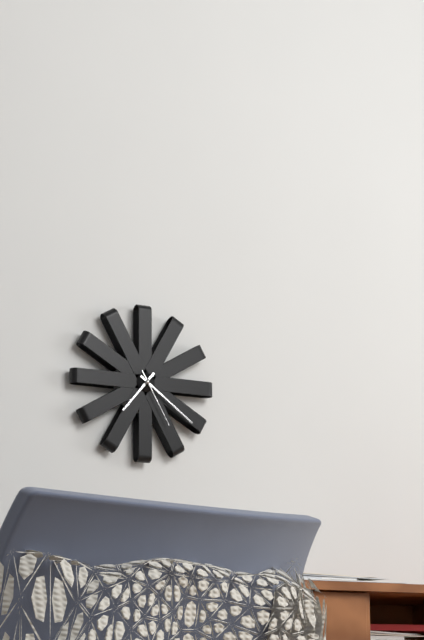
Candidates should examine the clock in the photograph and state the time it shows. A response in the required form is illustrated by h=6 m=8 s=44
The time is h=7 m=21 s=25
